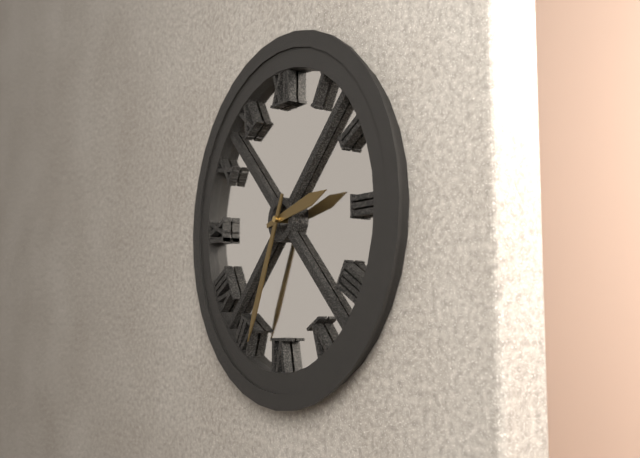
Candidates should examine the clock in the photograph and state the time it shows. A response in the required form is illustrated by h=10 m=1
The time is h=2 m=34
